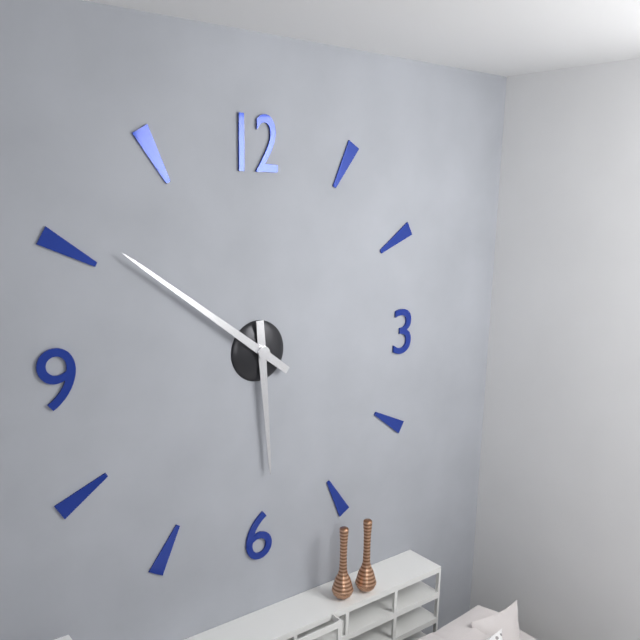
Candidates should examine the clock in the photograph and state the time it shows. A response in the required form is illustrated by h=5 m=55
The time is h=5 m=51
